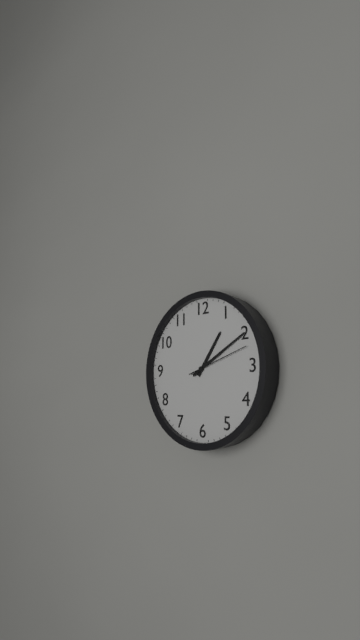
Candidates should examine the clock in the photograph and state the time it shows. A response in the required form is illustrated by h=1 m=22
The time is h=1 m=10
